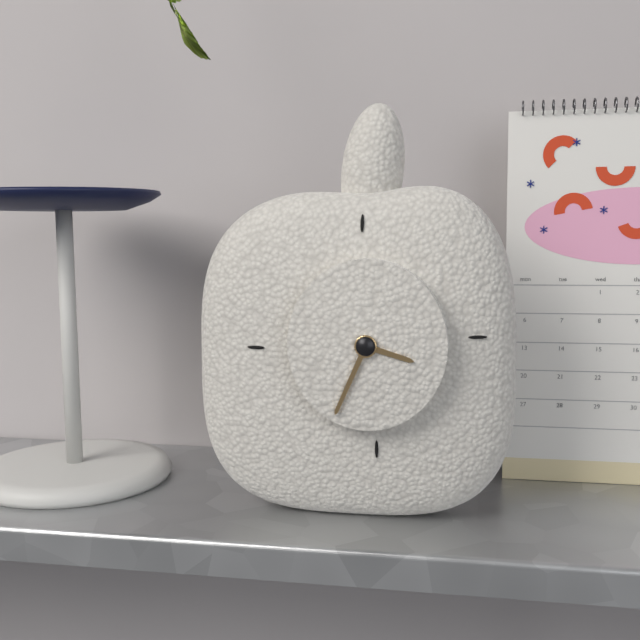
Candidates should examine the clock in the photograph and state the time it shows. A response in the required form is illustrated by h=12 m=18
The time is h=3 m=34
